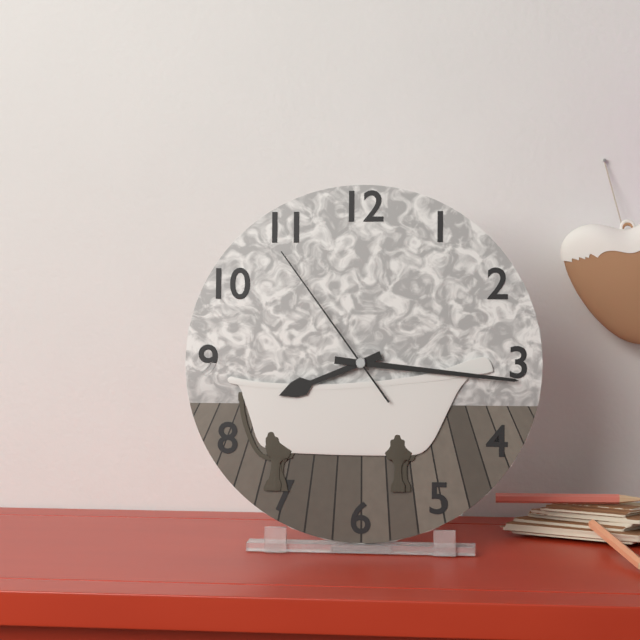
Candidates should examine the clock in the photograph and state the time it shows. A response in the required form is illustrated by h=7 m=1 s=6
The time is h=8 m=16 s=54
